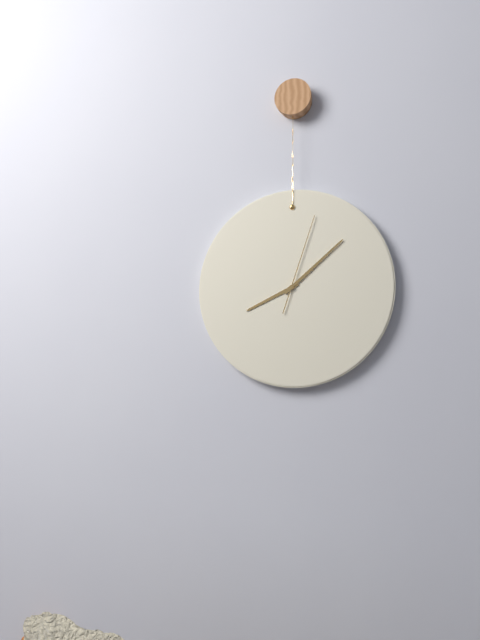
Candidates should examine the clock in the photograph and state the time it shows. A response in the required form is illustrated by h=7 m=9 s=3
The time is h=8 m=8 s=3
